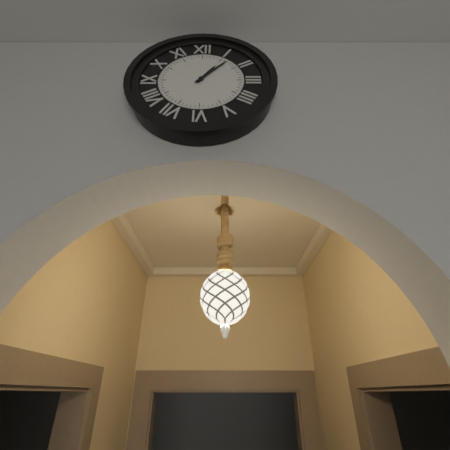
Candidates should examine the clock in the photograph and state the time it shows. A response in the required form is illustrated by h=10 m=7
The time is h=1 m=7
